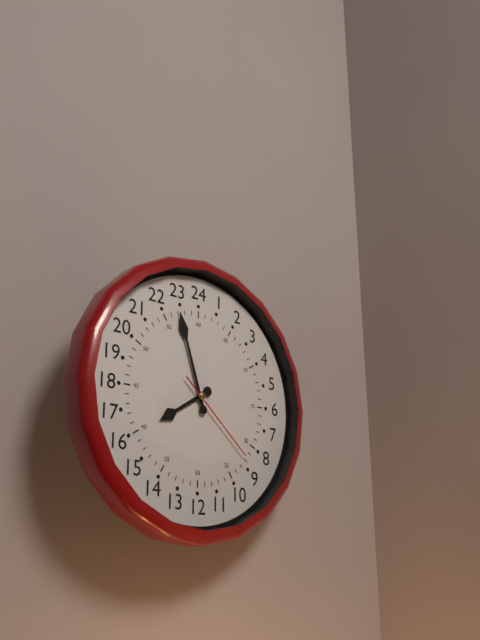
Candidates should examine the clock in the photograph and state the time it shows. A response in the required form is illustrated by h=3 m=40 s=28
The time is h=7 m=57 s=22
